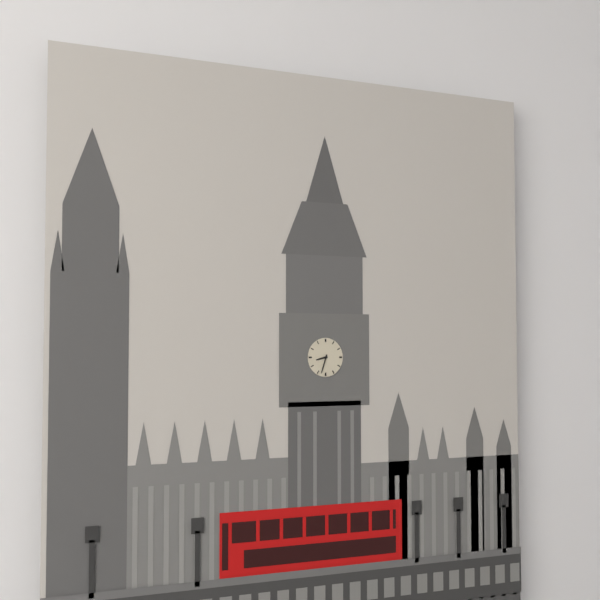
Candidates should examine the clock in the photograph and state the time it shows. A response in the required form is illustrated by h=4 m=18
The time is h=8 m=33
